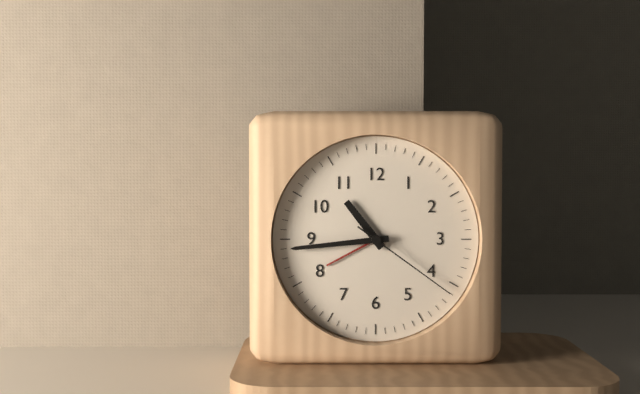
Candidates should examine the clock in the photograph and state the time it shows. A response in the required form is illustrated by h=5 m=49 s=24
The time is h=10 m=44 s=21
